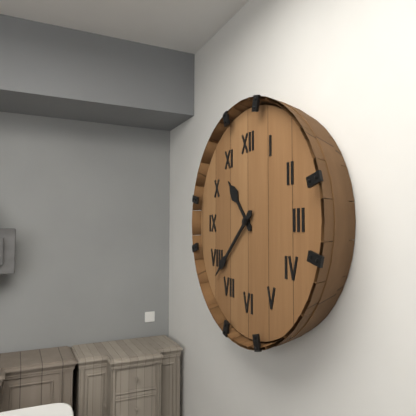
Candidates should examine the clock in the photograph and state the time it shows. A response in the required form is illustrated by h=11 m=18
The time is h=10 m=38
